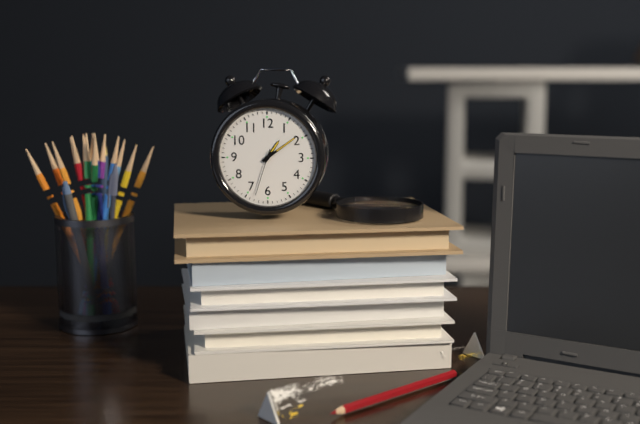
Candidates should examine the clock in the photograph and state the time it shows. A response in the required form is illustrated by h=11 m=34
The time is h=1 m=9
